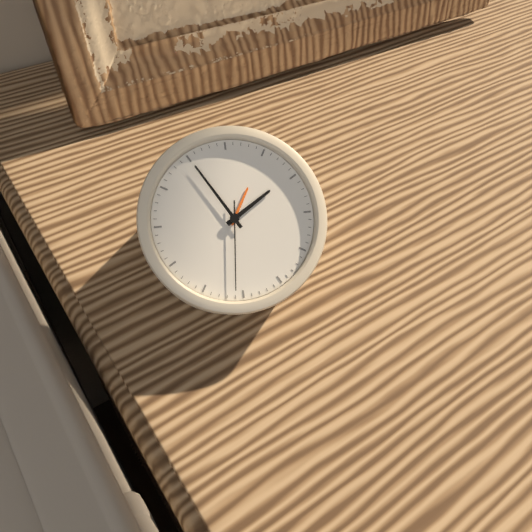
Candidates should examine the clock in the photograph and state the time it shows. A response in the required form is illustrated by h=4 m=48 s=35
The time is h=1 m=55 s=31
